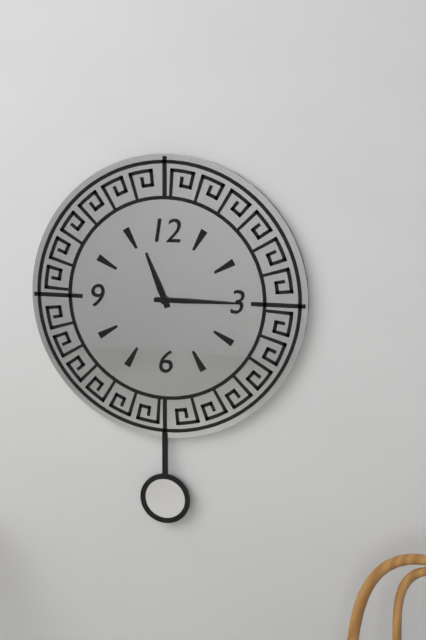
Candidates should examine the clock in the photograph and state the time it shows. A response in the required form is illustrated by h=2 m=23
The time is h=11 m=15
